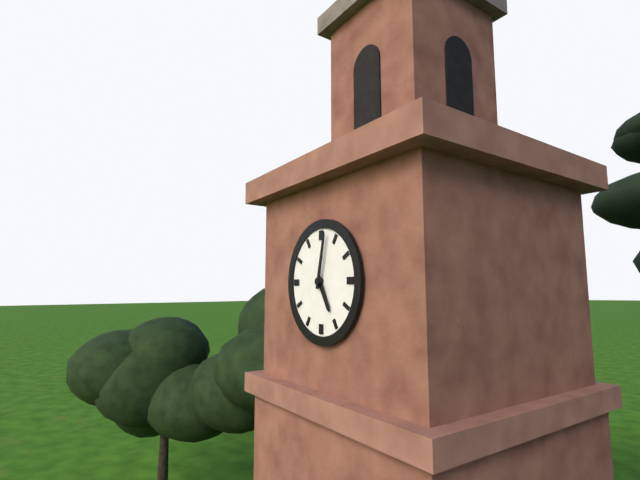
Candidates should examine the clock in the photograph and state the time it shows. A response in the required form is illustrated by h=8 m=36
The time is h=5 m=2
